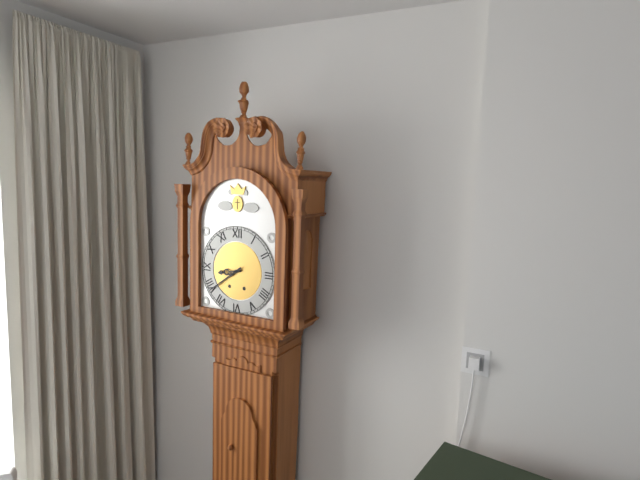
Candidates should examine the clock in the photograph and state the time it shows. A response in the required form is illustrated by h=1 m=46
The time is h=8 m=39
